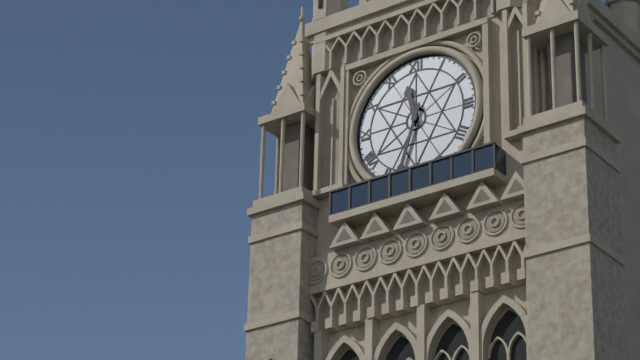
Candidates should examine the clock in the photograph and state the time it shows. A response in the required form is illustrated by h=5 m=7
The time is h=11 m=33
